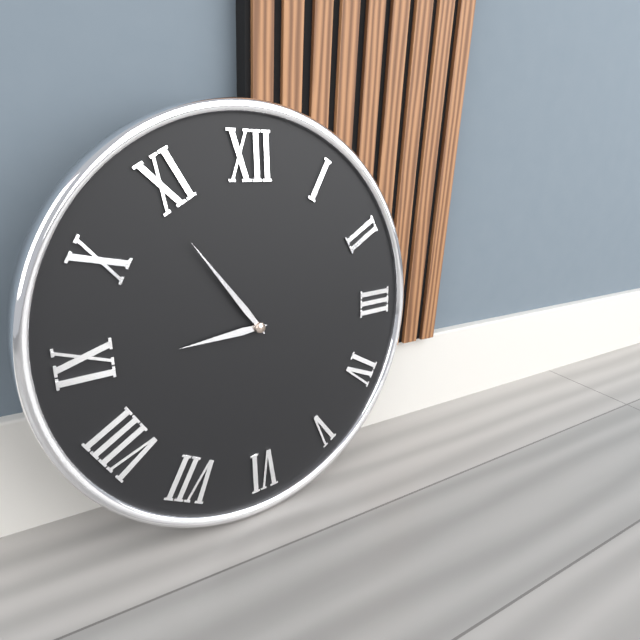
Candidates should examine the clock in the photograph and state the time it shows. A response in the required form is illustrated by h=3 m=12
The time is h=8 m=54
